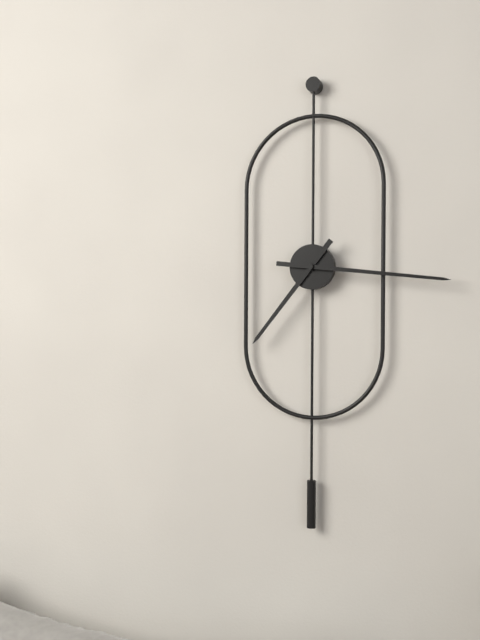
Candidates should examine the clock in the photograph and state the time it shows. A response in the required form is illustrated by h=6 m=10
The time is h=7 m=16
